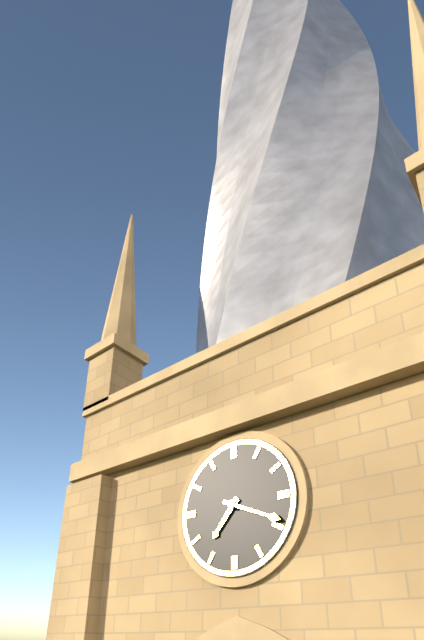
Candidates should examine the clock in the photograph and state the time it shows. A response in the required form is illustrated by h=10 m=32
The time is h=7 m=19
